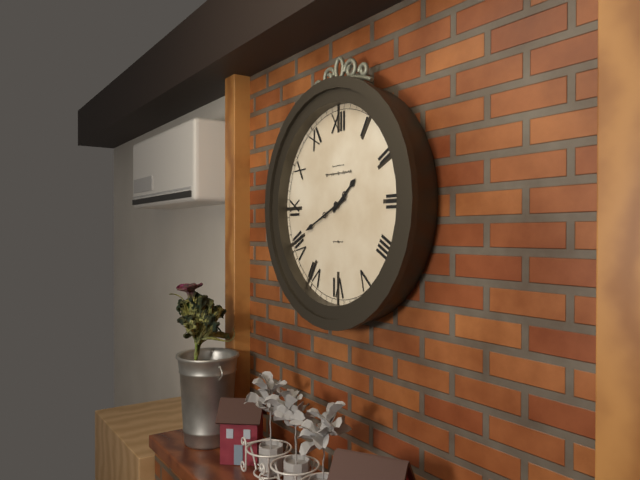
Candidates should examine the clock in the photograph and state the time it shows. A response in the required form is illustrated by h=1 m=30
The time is h=1 m=41
